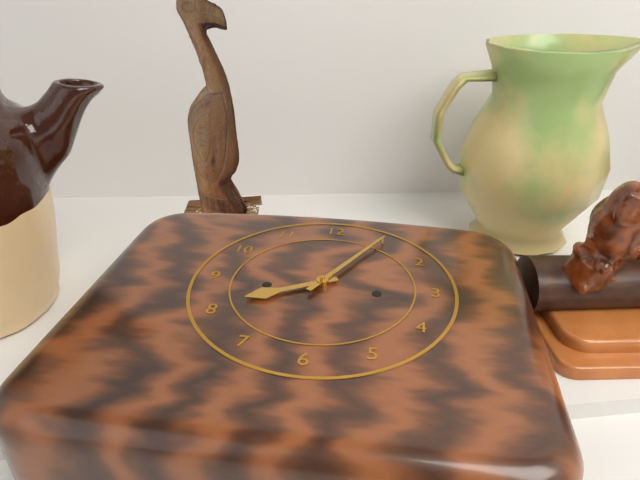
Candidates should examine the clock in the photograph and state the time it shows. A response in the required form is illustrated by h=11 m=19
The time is h=8 m=5
